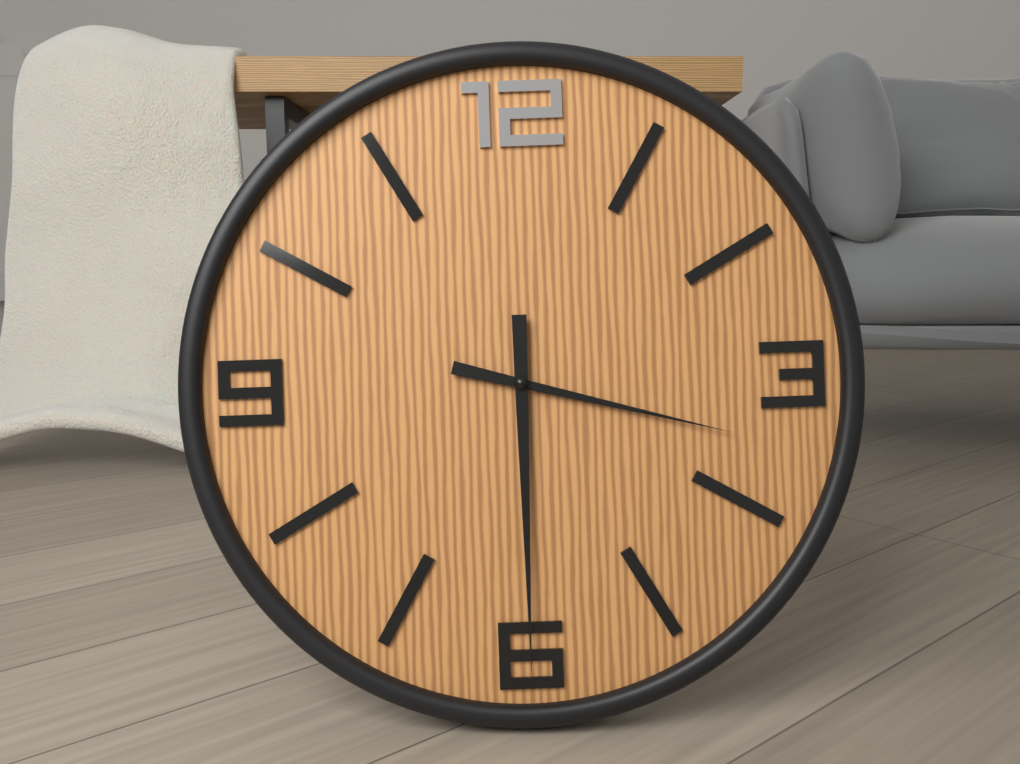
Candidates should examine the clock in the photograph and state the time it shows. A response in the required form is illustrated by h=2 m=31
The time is h=3 m=30
